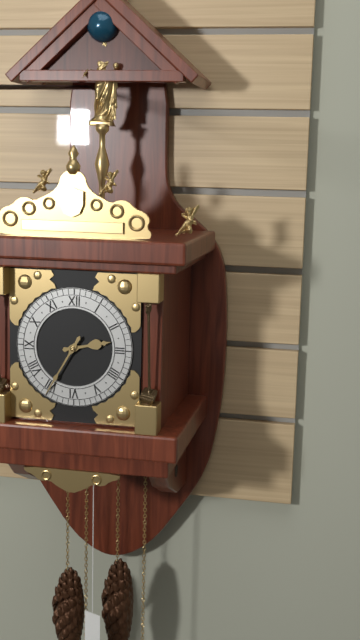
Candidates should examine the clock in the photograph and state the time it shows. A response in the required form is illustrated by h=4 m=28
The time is h=2 m=35
